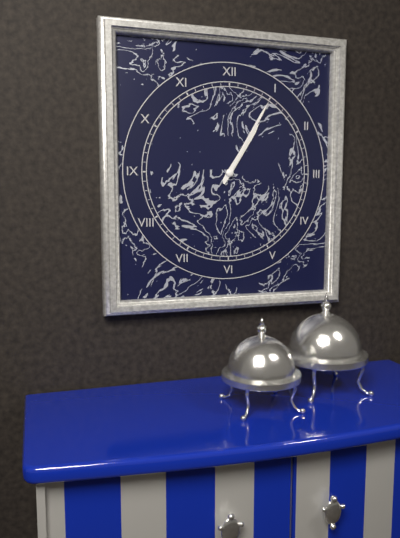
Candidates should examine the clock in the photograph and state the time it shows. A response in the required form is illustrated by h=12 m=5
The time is h=1 m=5
